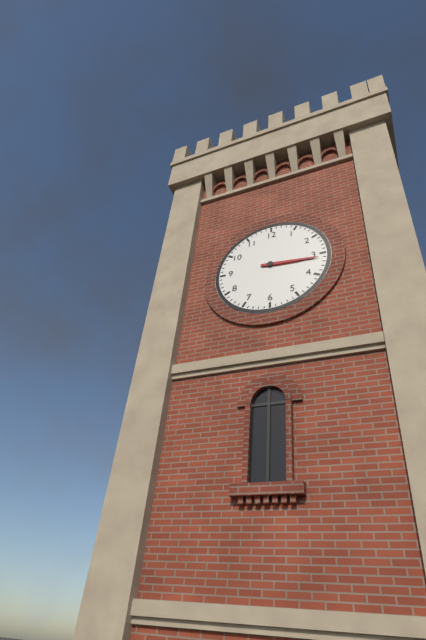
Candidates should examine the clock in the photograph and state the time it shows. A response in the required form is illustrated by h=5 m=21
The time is h=3 m=16
